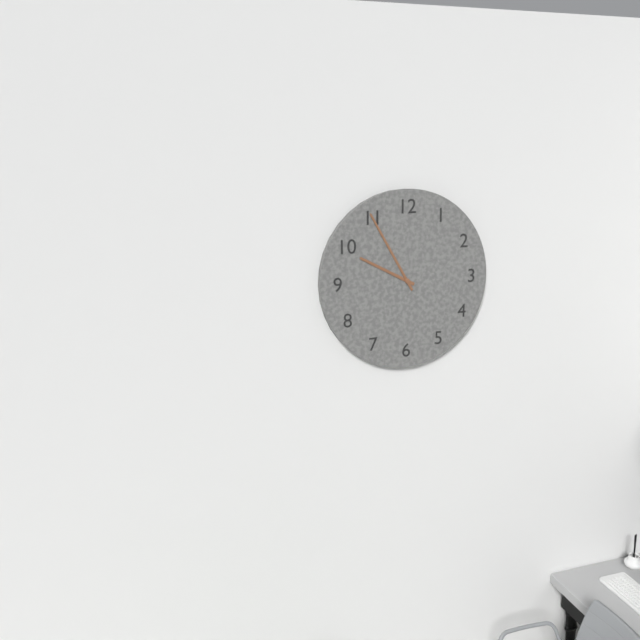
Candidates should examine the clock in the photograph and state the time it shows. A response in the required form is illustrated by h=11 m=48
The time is h=9 m=55
